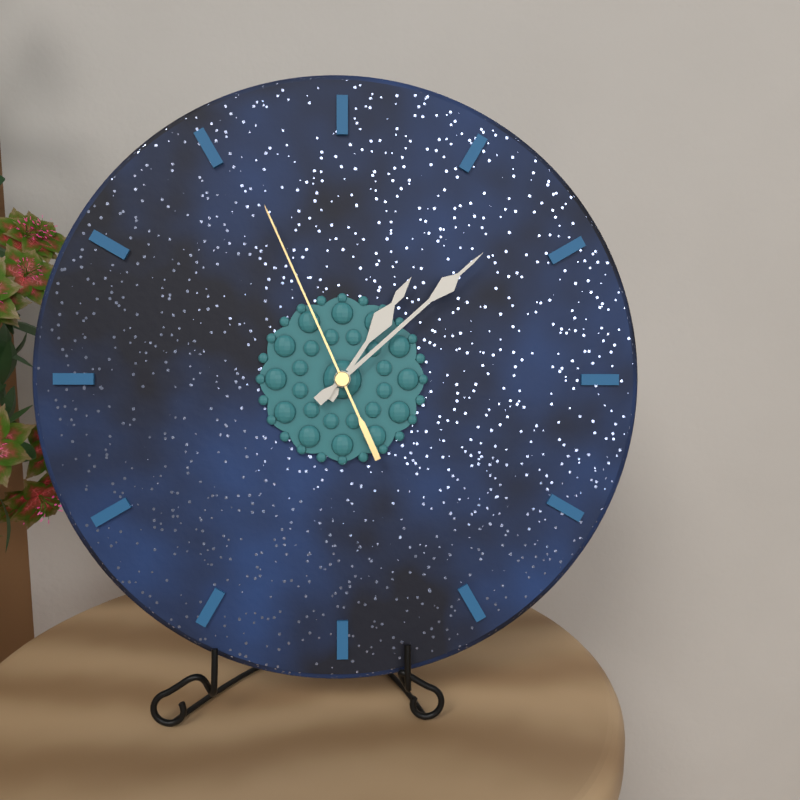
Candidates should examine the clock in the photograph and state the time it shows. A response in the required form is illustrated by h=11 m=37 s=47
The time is h=1 m=8 s=56
